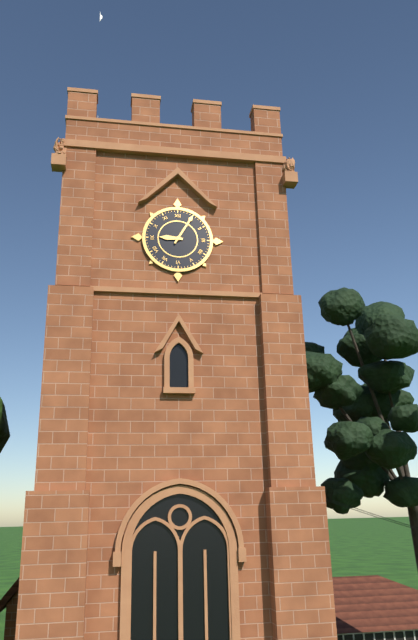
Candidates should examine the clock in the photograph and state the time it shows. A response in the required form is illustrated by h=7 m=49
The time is h=9 m=5
